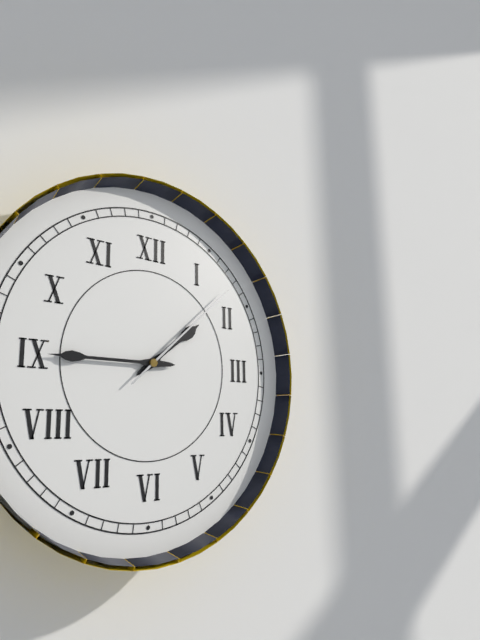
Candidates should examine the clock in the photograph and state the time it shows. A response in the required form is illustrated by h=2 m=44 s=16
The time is h=1 m=45 s=8
